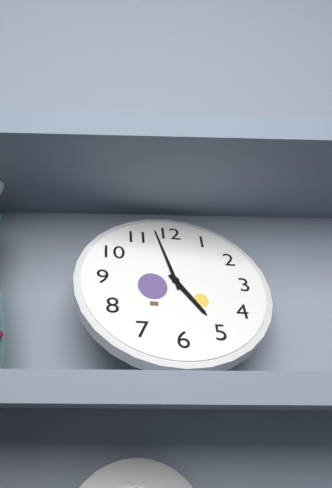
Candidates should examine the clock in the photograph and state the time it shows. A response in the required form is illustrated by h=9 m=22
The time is h=4 m=58
